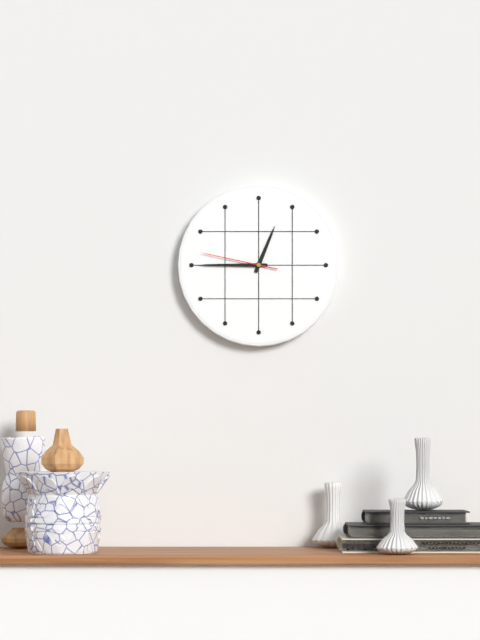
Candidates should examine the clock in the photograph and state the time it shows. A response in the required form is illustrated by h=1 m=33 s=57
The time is h=12 m=45 s=47
